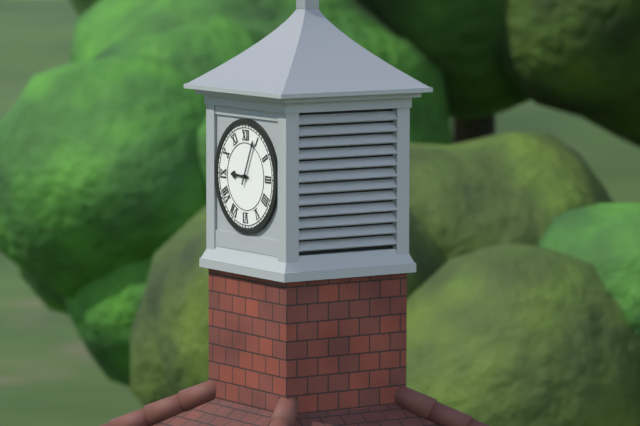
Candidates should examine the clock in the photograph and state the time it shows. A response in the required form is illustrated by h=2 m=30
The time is h=9 m=4
